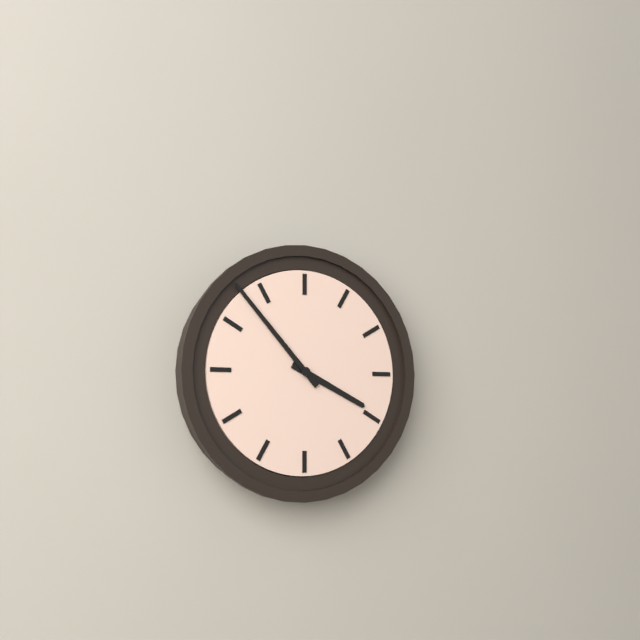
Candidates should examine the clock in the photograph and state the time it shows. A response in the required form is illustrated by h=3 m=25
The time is h=3 m=53
